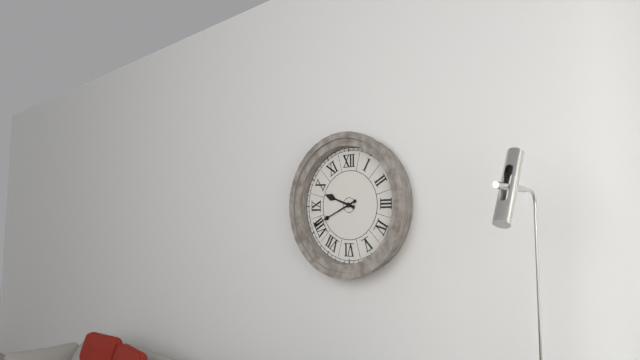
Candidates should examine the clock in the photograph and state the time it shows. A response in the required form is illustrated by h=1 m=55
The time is h=9 m=41
